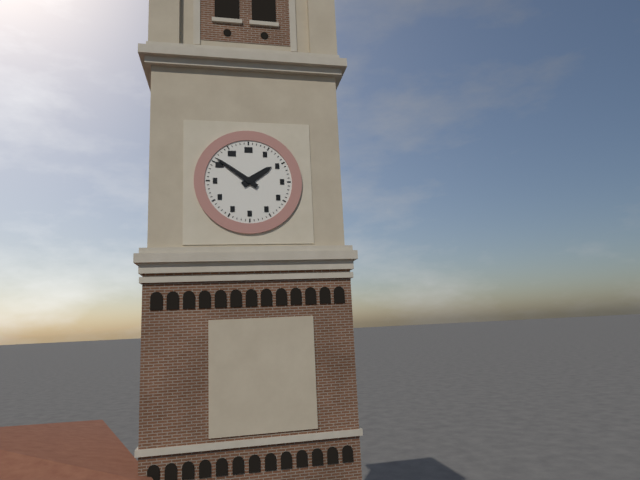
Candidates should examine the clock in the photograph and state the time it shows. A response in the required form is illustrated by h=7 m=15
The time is h=1 m=51
